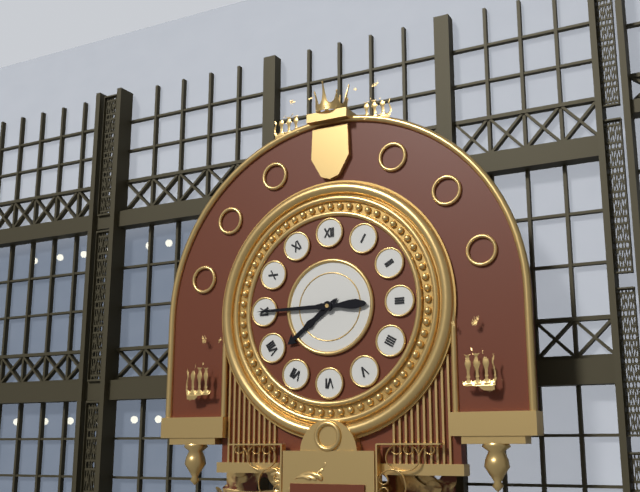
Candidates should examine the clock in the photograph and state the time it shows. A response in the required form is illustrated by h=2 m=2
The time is h=7 m=45
